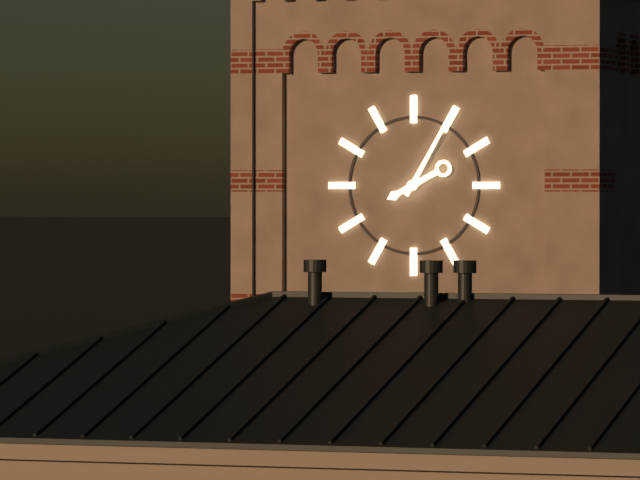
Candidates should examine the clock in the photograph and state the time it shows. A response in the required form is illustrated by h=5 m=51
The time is h=8 m=5
